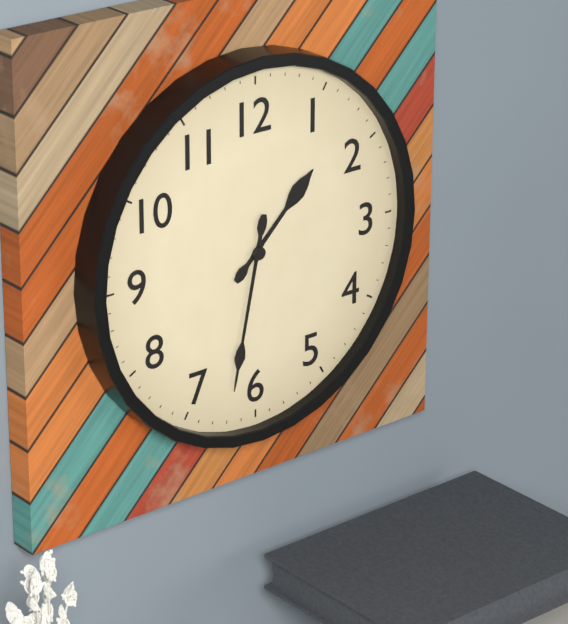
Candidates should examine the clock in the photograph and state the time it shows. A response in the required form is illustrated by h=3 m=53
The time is h=1 m=32
